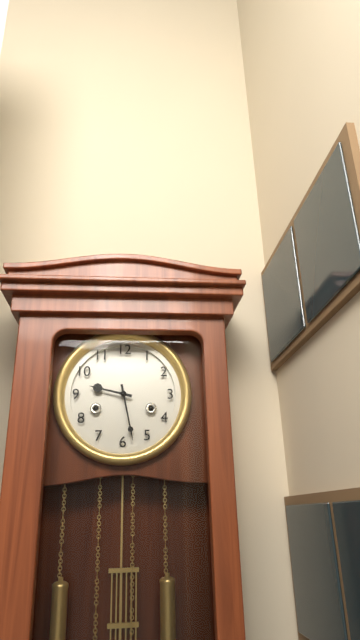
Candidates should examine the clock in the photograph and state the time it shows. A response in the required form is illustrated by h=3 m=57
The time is h=9 m=28
